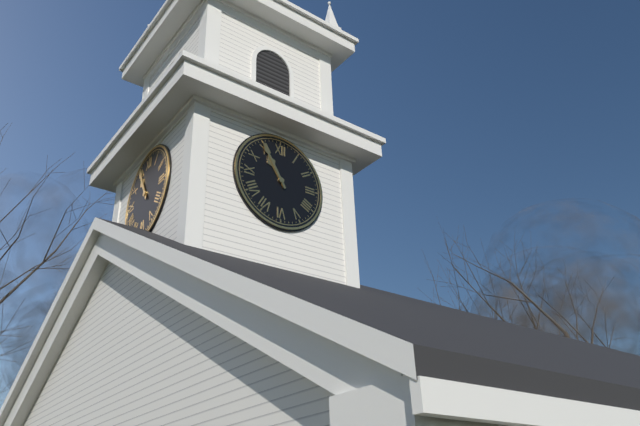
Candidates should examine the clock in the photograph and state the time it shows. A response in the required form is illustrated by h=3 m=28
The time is h=10 m=55
